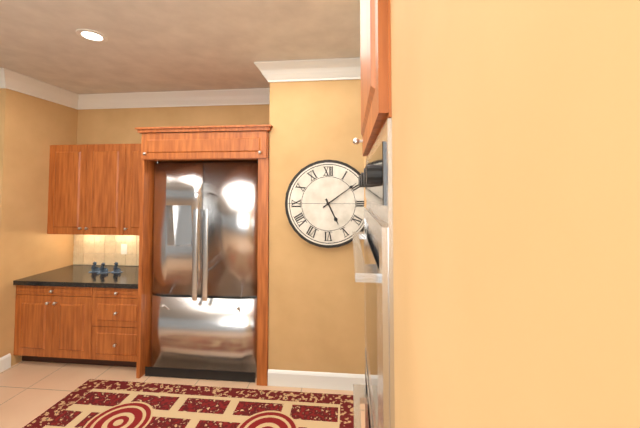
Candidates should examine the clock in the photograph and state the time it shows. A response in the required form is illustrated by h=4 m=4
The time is h=5 m=9
